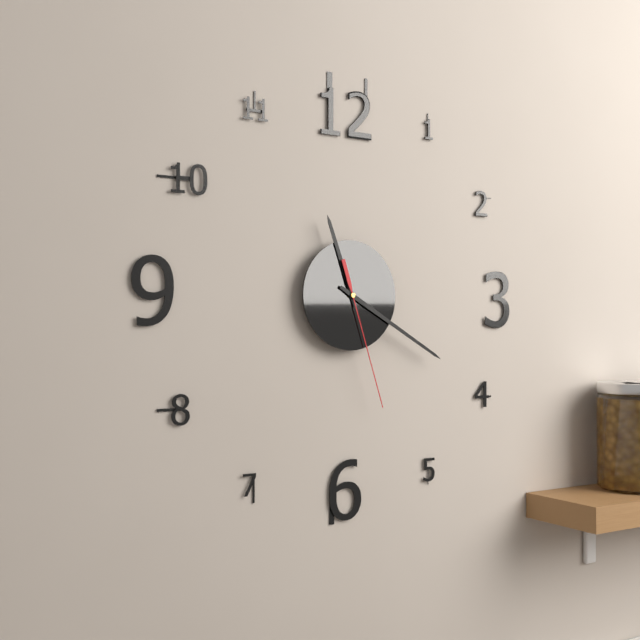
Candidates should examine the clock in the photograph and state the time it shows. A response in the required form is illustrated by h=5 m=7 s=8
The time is h=11 m=20 s=27
